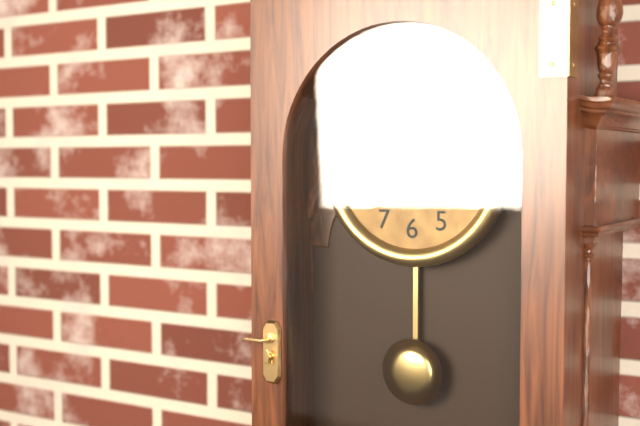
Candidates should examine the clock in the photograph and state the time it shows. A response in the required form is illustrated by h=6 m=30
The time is h=4 m=7
